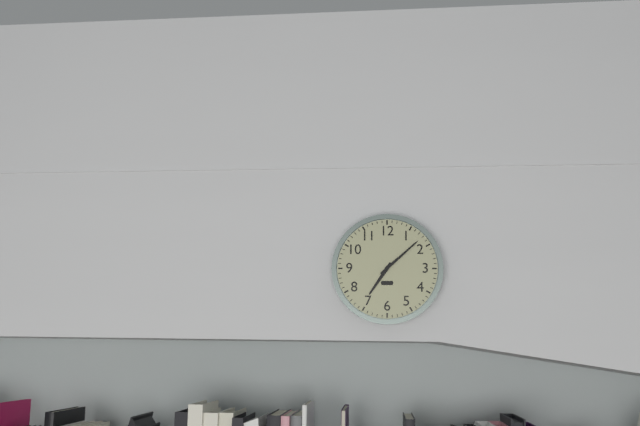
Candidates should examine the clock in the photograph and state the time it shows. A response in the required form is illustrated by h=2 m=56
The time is h=7 m=8
